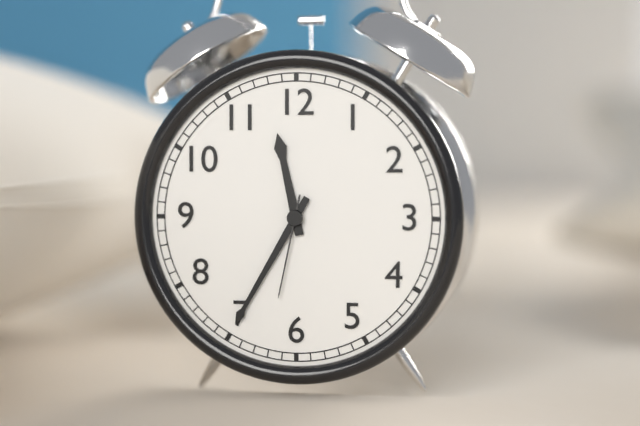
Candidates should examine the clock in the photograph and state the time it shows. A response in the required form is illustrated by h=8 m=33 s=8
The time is h=11 m=35 s=32
